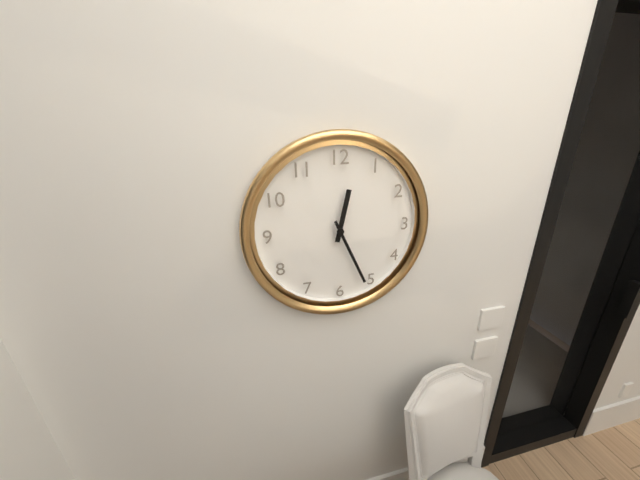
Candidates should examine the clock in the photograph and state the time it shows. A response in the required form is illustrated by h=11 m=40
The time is h=12 m=26
